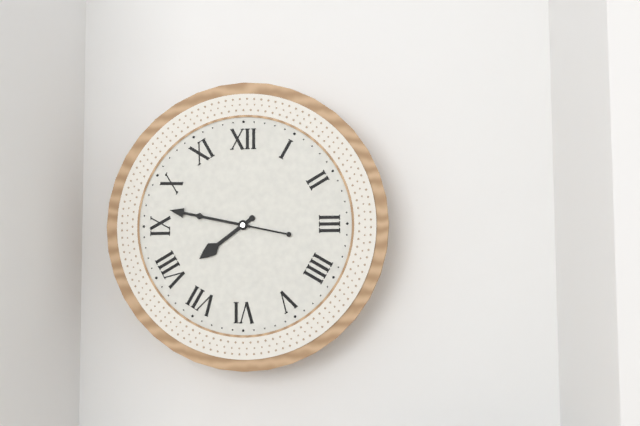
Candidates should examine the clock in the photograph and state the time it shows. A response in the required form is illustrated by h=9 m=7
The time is h=7 m=47
